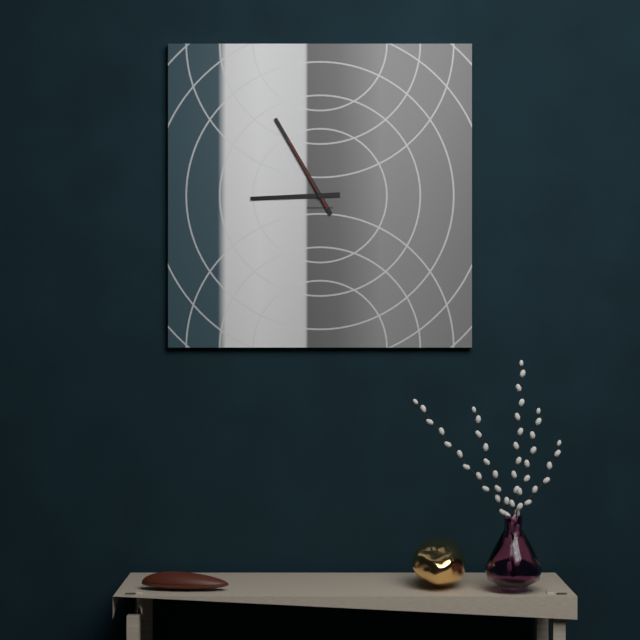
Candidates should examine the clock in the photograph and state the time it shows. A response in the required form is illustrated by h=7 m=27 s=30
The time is h=8 m=55 s=55
